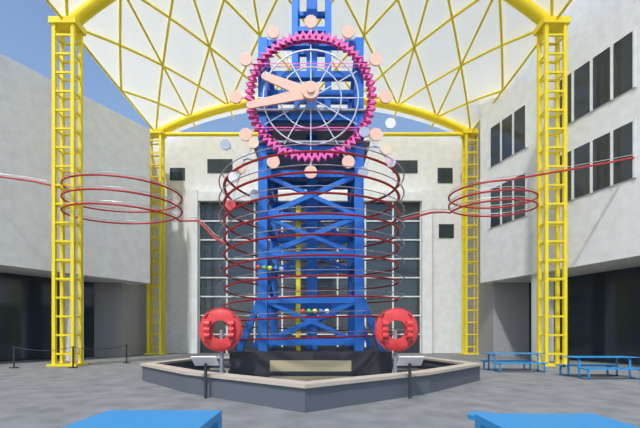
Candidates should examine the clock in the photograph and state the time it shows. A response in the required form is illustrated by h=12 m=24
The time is h=9 m=43
